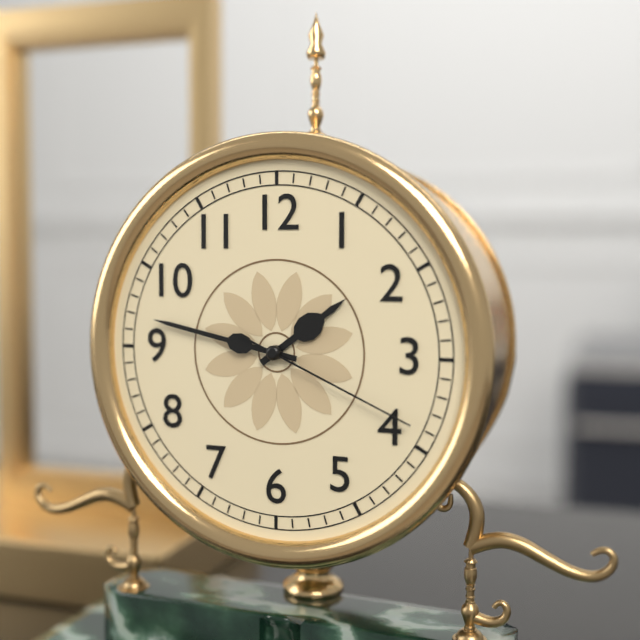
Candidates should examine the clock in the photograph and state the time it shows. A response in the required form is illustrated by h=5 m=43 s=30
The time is h=1 m=47 s=19
